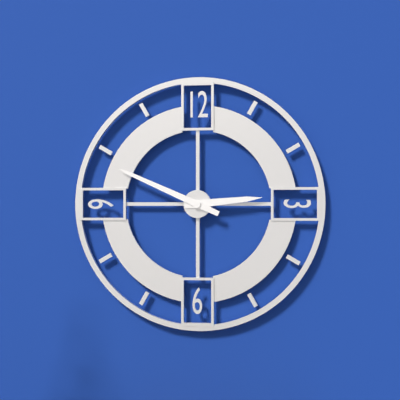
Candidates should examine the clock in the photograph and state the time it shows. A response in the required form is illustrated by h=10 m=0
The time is h=2 m=49
